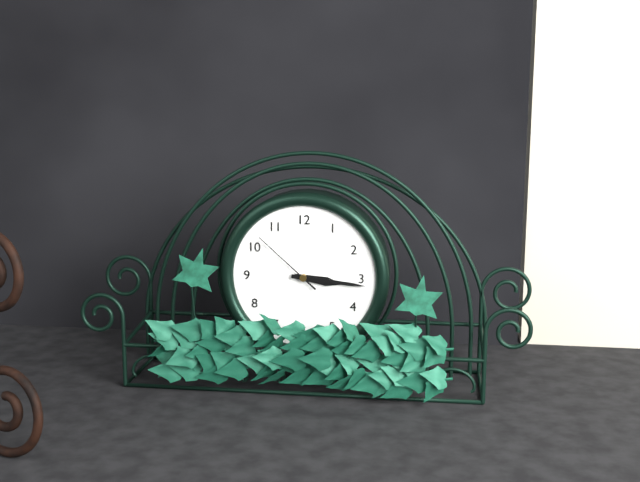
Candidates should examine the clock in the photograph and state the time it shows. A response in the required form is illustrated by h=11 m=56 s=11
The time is h=3 m=16 s=52
